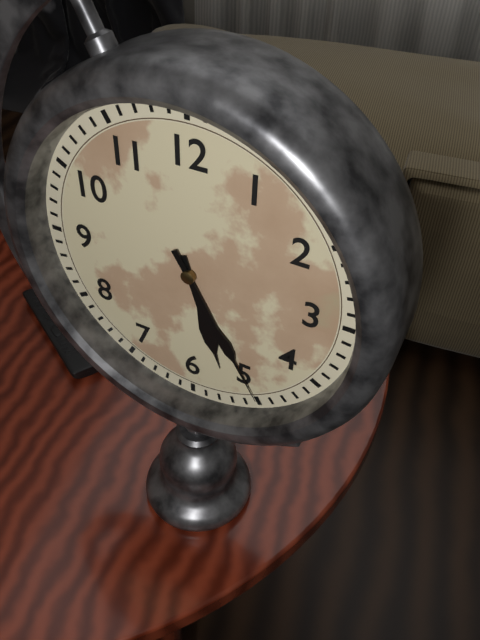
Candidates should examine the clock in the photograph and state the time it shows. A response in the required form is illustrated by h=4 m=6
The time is h=5 m=25
